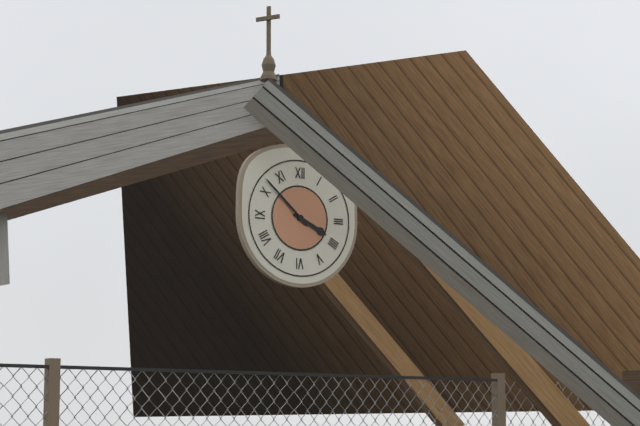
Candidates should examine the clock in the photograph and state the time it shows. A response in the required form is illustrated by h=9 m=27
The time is h=3 m=52
